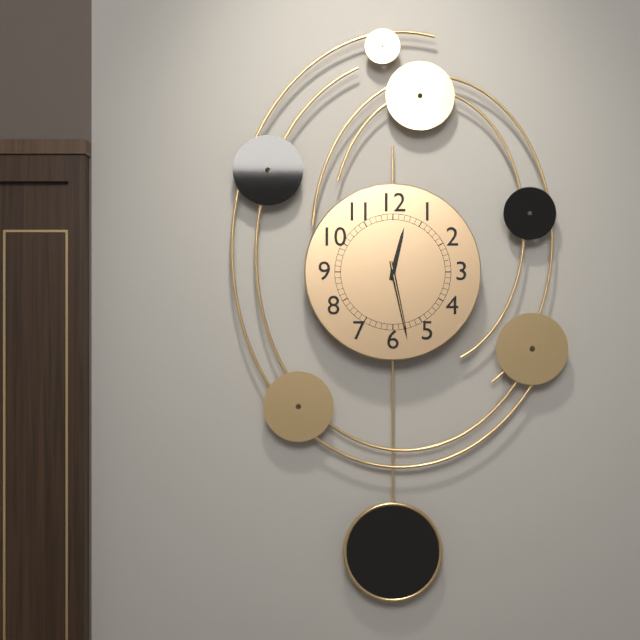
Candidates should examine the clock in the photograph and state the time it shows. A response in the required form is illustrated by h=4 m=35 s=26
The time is h=12 m=28 s=28
